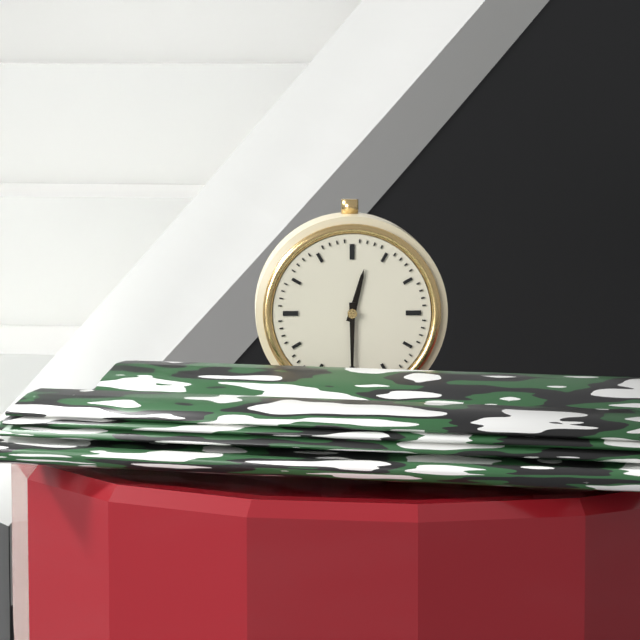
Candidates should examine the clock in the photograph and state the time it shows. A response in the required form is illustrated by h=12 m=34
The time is h=12 m=30
